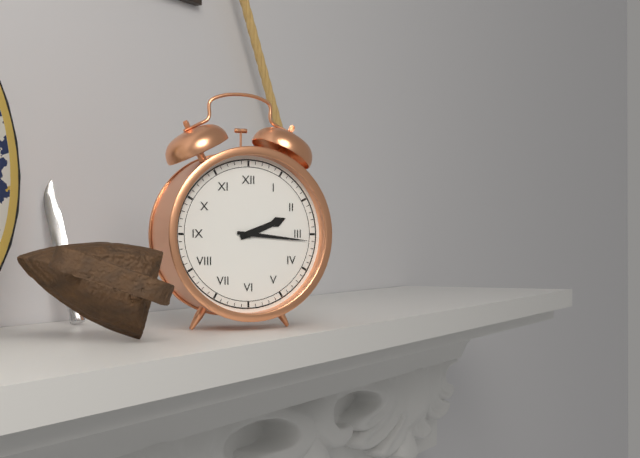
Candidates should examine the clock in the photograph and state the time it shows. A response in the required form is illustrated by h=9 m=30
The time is h=2 m=16
